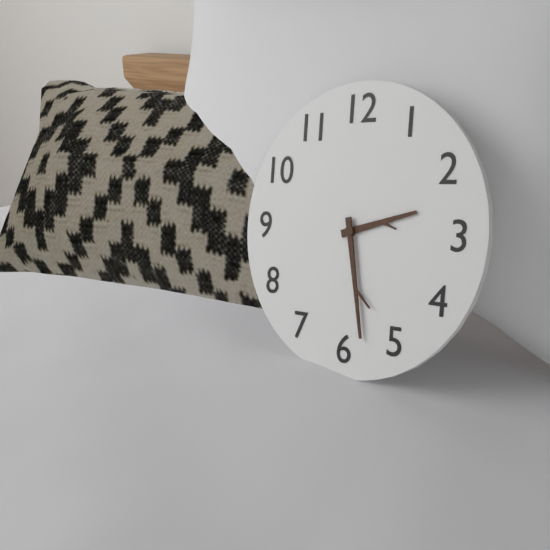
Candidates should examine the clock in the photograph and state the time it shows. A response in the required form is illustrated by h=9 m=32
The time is h=2 m=28
